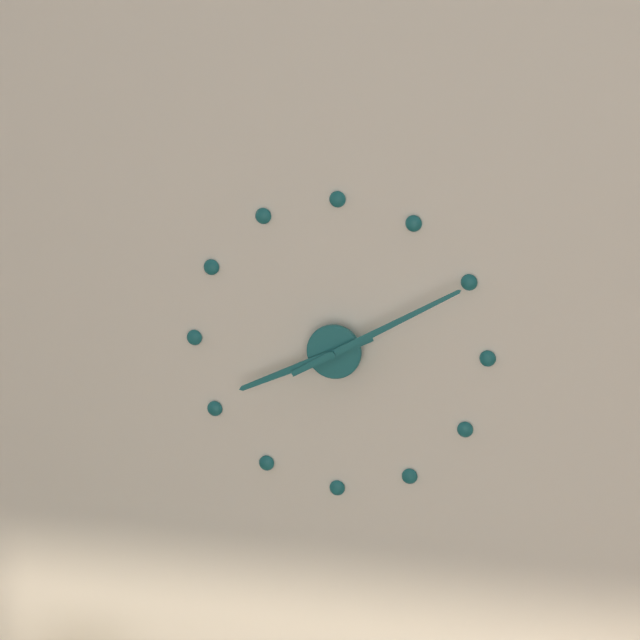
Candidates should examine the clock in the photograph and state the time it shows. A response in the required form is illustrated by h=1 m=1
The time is h=8 m=10
